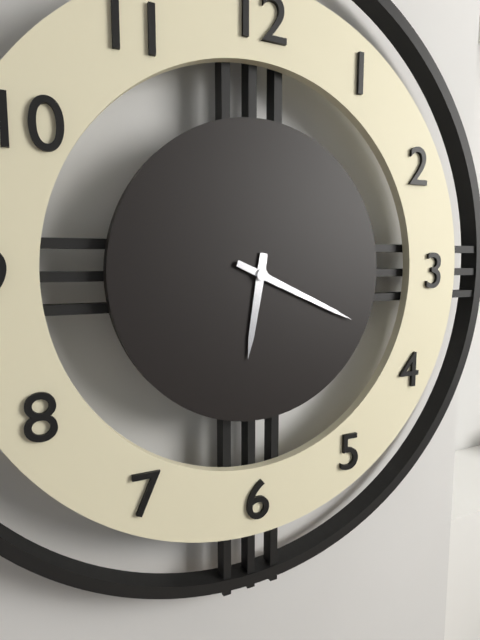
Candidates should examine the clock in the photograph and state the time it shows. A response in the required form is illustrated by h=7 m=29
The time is h=6 m=19
